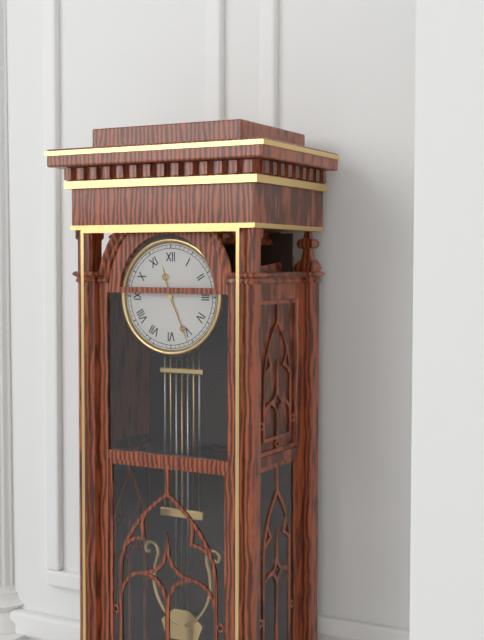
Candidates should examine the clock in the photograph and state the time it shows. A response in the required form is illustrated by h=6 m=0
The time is h=11 m=26
